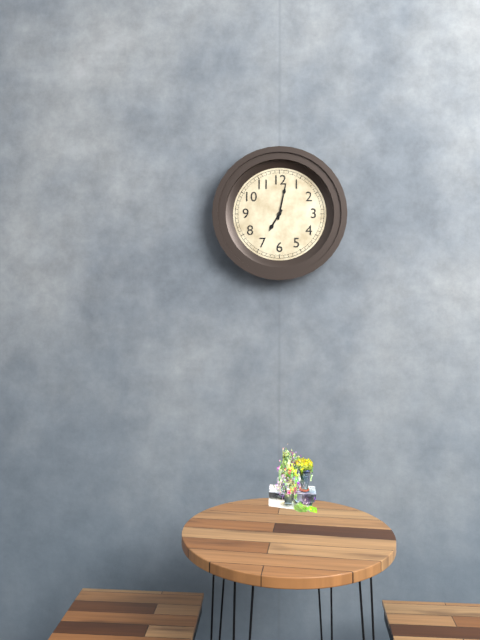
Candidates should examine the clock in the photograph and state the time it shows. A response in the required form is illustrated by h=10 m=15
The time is h=7 m=2
